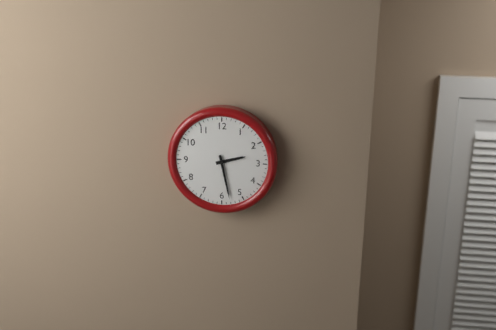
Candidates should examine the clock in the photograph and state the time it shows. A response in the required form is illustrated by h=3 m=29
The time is h=2 m=28
